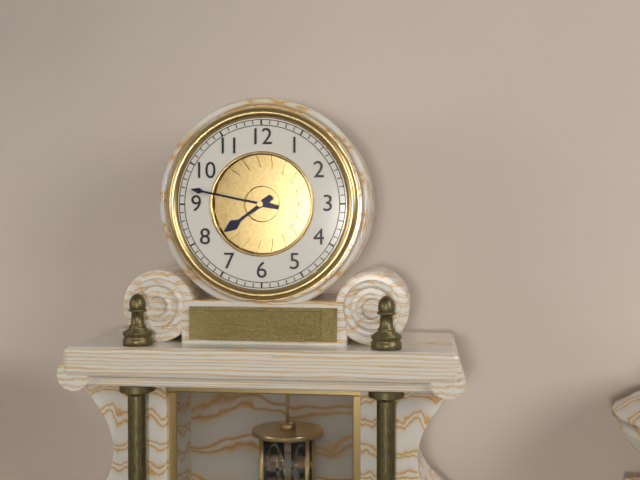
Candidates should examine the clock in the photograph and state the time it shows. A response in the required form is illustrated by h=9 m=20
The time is h=7 m=47
